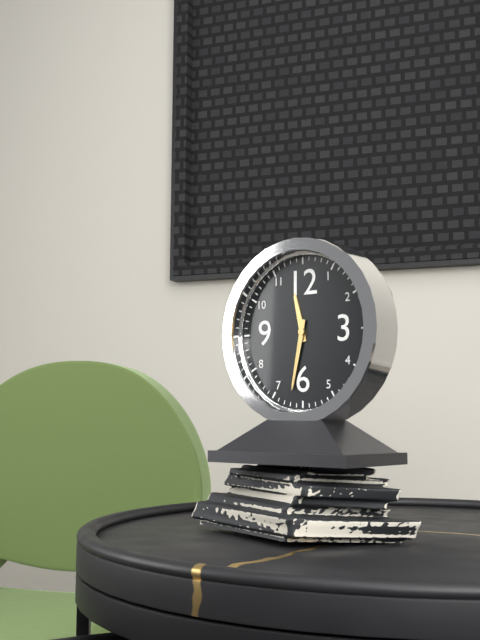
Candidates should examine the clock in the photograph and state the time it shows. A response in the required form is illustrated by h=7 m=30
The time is h=11 m=32
